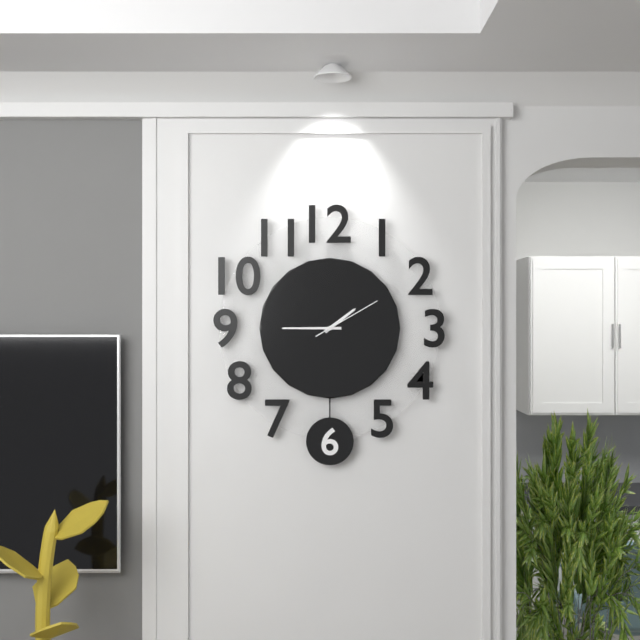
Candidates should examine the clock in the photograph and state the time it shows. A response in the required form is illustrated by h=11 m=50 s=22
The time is h=1 m=45 s=10
